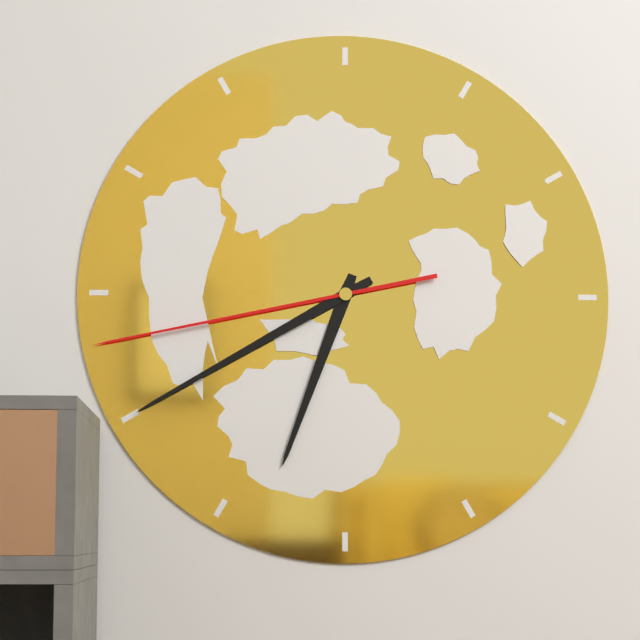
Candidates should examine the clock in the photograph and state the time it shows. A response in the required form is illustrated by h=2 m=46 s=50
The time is h=6 m=40 s=43
